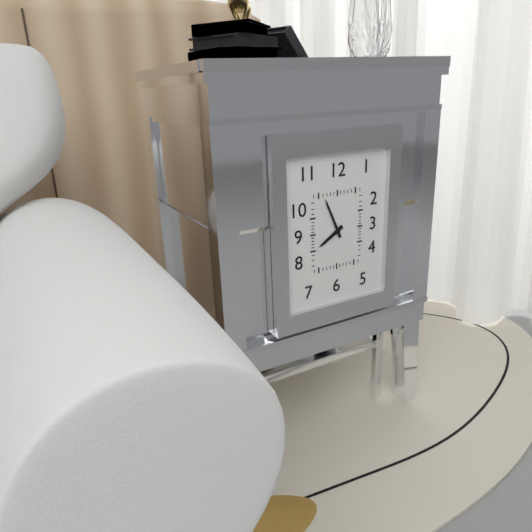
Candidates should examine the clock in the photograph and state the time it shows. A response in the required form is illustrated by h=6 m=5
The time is h=7 m=56
